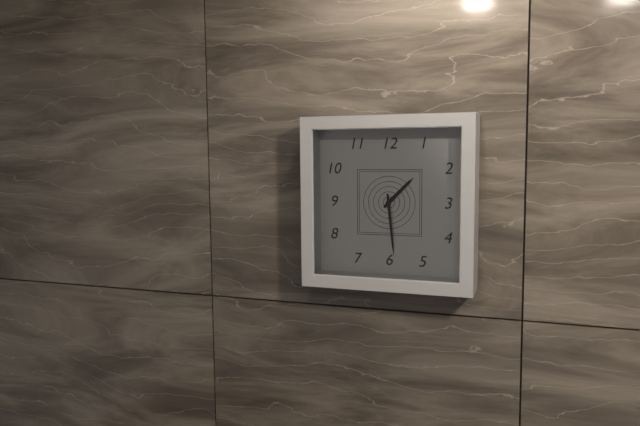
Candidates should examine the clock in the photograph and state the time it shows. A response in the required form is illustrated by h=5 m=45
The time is h=1 m=29
